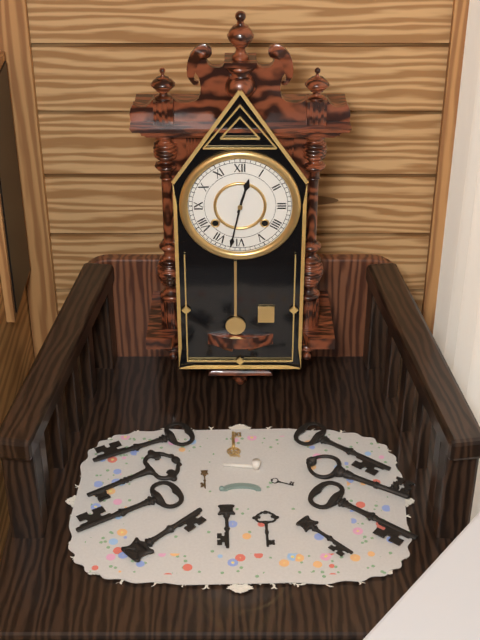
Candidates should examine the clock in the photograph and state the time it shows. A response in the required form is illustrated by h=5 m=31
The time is h=12 m=32
